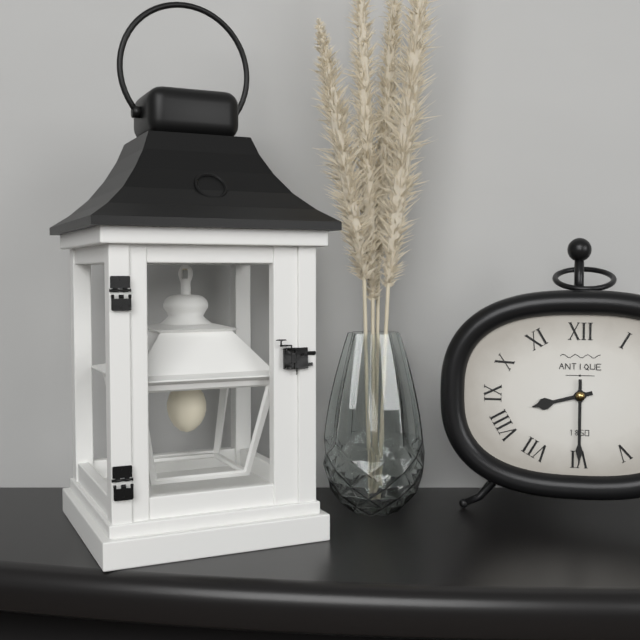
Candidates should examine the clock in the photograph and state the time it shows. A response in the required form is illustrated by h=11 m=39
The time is h=8 m=30
